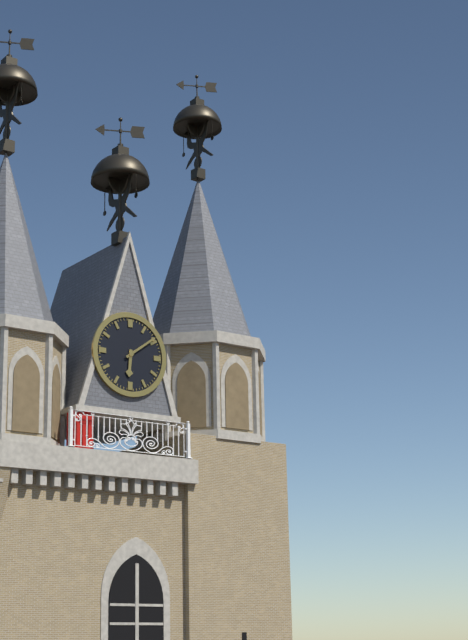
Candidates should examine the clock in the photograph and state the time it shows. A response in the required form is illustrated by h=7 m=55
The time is h=6 m=9
